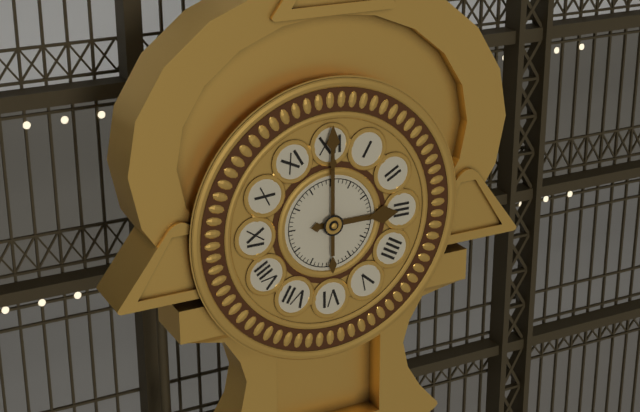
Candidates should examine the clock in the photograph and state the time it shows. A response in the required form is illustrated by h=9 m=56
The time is h=3 m=0
